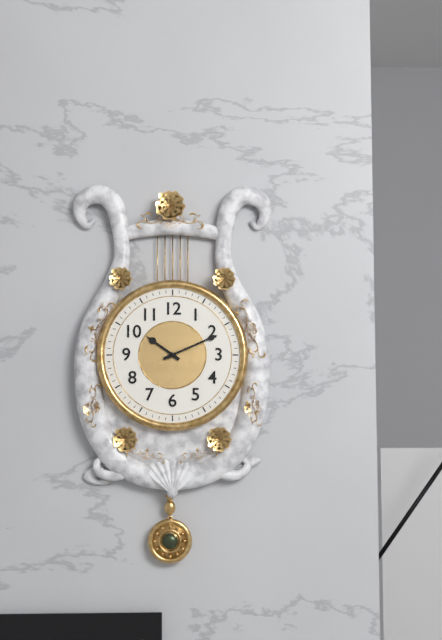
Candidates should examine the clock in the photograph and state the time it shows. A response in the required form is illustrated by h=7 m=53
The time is h=10 m=11
